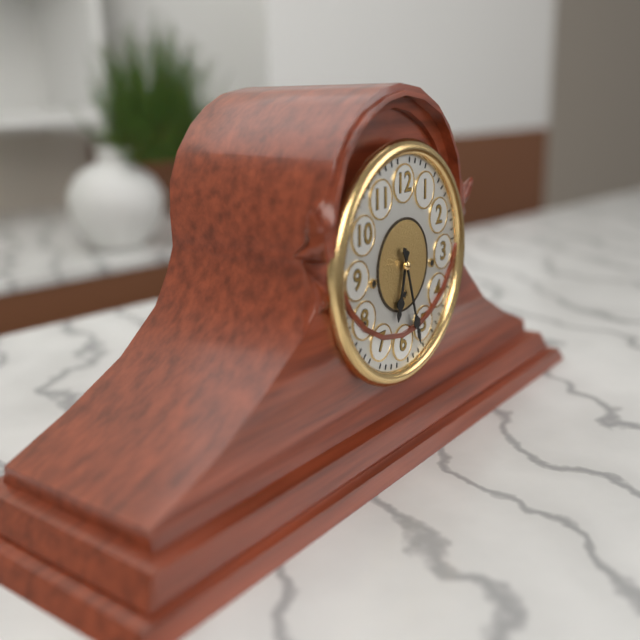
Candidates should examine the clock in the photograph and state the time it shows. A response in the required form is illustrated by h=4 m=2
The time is h=6 m=27
